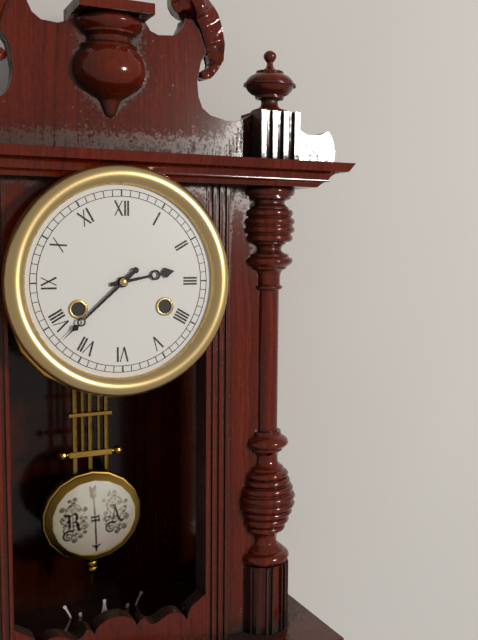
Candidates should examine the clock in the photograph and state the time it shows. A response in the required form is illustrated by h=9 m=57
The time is h=2 m=38
